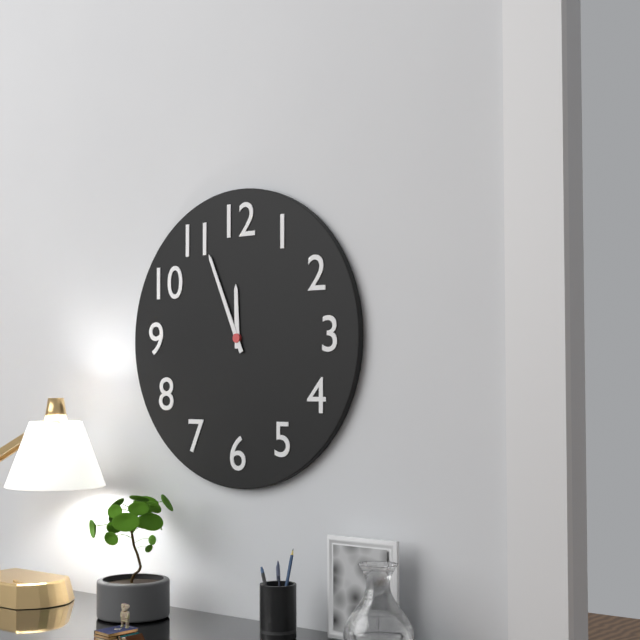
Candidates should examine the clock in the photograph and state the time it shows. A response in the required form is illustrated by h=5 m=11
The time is h=11 m=56
